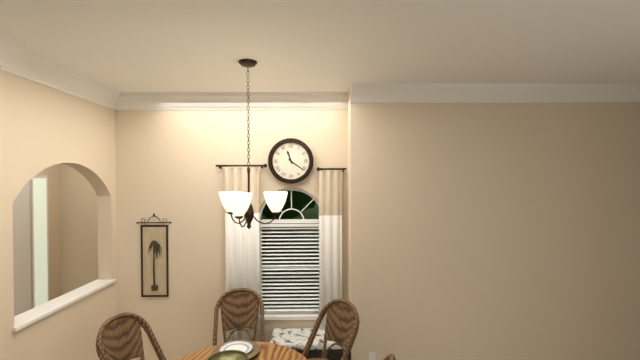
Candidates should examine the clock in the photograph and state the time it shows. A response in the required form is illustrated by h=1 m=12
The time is h=11 m=21
